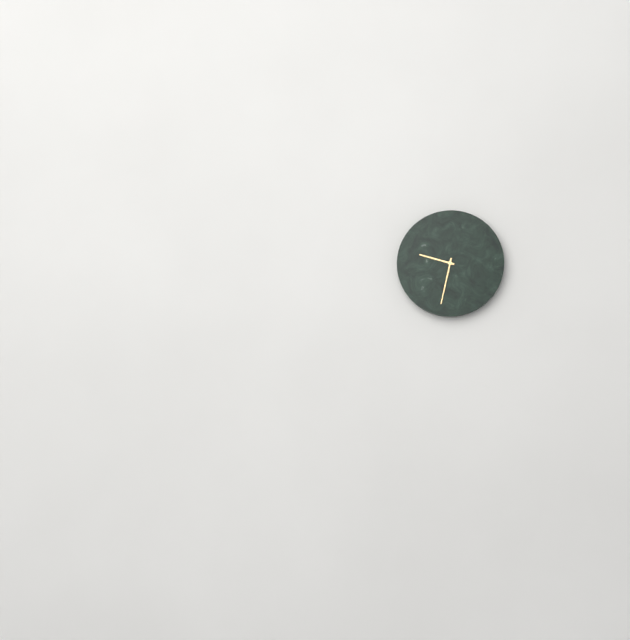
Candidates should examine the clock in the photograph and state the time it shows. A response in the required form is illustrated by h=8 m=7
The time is h=9 m=32
